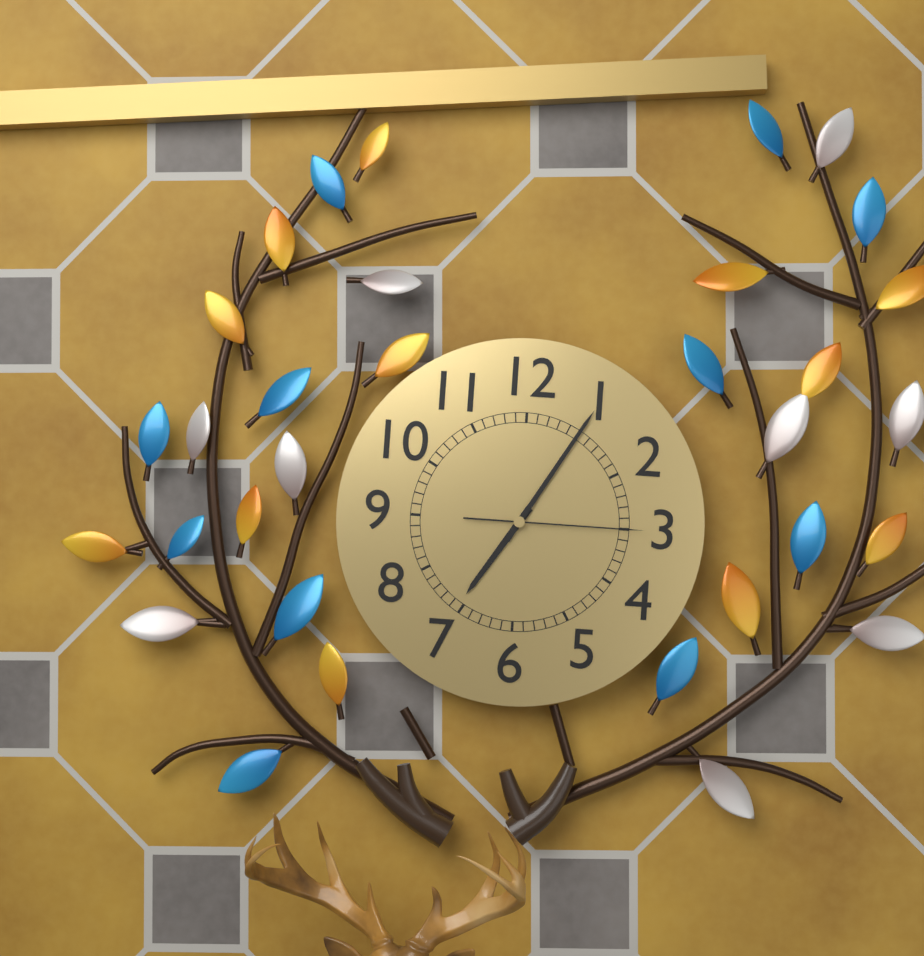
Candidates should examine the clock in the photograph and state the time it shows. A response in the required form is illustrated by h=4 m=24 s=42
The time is h=7 m=5 s=15
